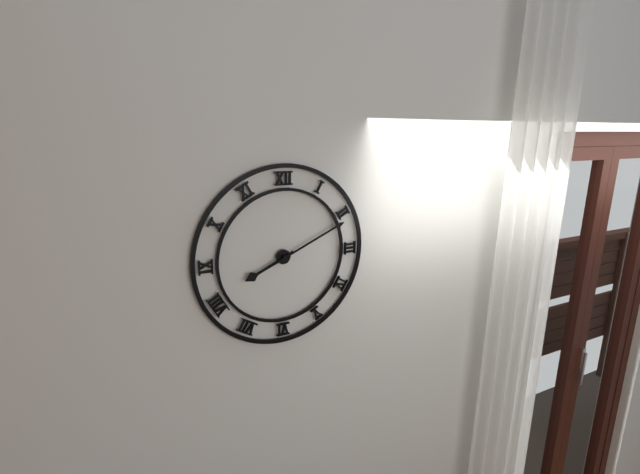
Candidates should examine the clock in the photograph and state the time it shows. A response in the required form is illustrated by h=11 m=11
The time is h=8 m=11
